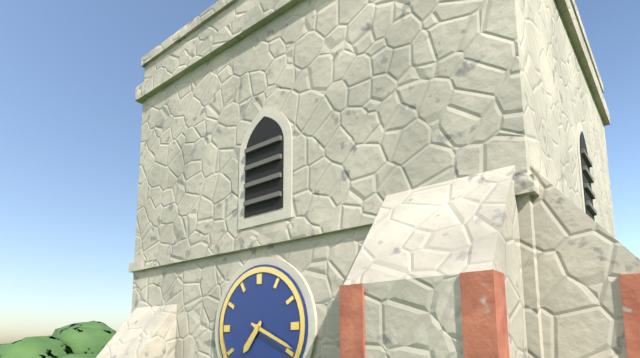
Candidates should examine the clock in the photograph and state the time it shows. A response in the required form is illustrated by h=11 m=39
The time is h=7 m=19
